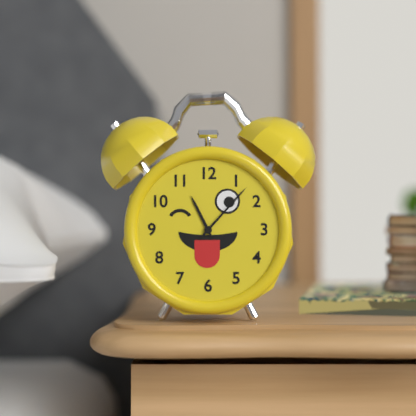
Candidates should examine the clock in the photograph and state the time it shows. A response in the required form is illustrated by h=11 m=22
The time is h=11 m=7
